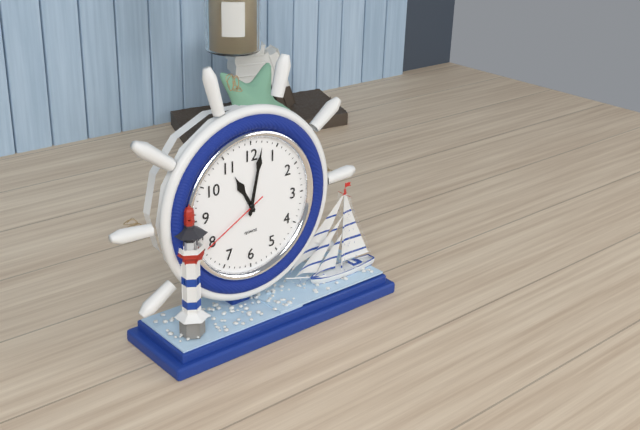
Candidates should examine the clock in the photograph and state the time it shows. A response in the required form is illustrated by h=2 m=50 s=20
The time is h=11 m=2 s=40
